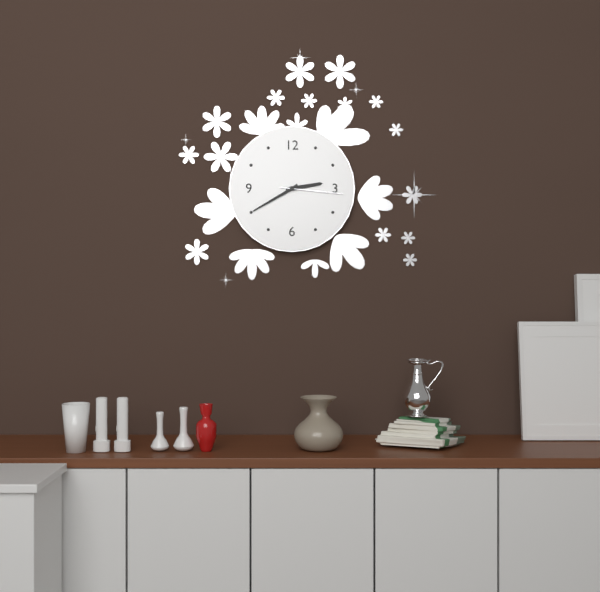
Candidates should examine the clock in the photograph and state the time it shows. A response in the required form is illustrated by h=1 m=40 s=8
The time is h=2 m=40 s=16
